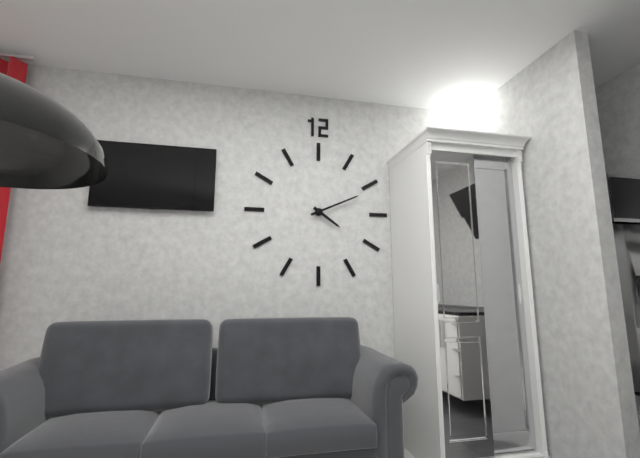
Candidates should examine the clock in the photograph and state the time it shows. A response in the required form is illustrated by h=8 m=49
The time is h=4 m=11
